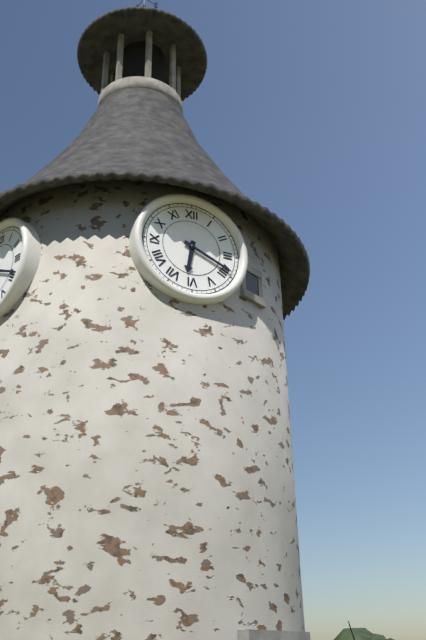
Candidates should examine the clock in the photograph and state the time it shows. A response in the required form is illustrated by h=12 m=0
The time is h=6 m=19
